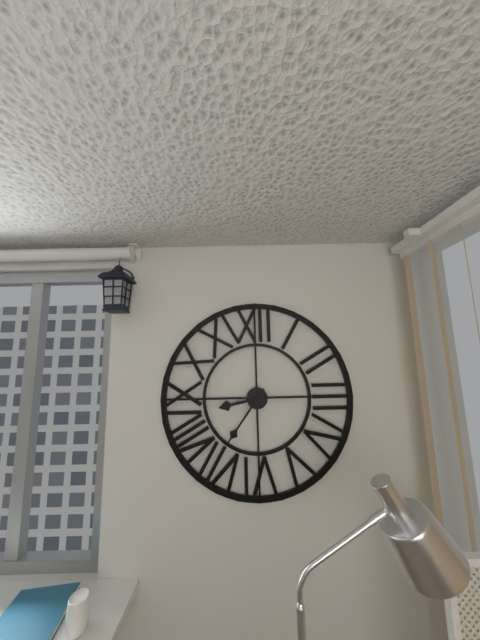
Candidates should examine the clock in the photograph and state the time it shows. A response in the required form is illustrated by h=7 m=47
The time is h=8 m=36
